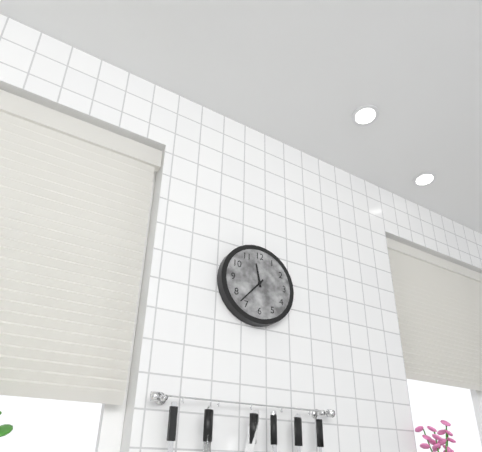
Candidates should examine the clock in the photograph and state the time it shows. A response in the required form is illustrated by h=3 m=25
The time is h=11 m=37
